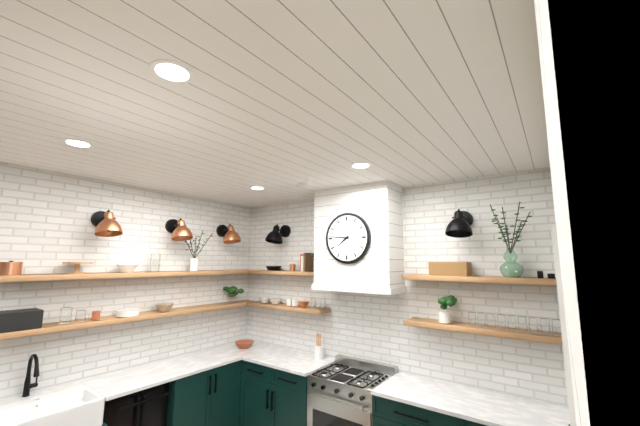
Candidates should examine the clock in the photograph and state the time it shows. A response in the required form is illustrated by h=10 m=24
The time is h=7 m=46
